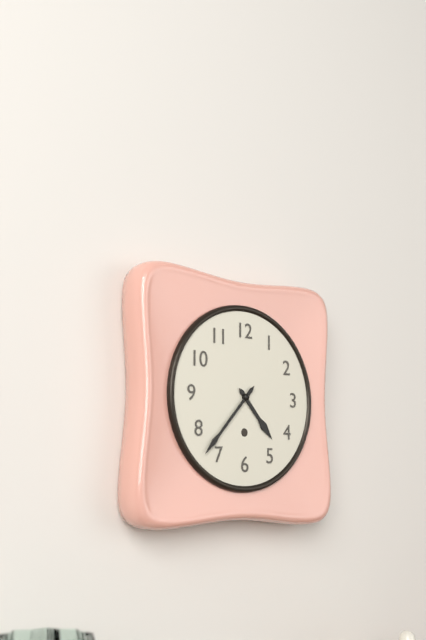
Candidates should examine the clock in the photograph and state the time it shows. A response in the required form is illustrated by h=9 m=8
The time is h=4 m=37
